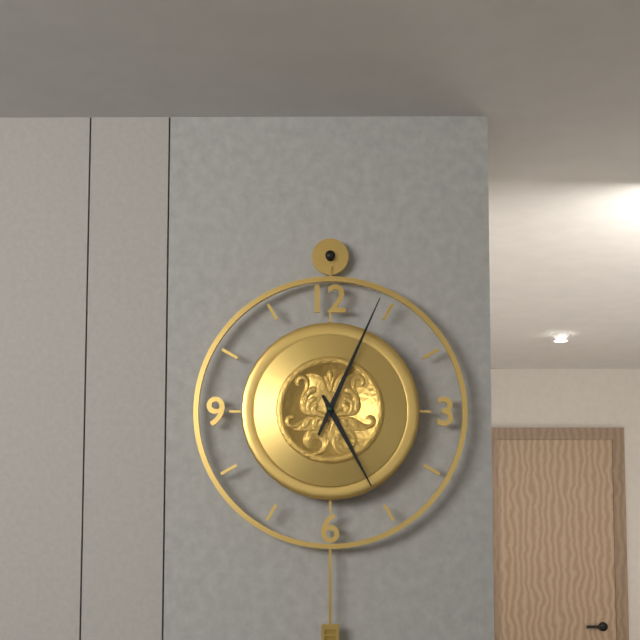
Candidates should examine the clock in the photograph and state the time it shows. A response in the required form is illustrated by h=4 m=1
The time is h=5 m=4
